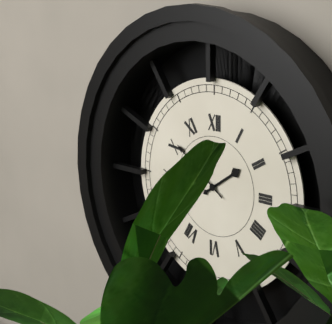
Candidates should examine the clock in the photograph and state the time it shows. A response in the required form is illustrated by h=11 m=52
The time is h=1 m=51
